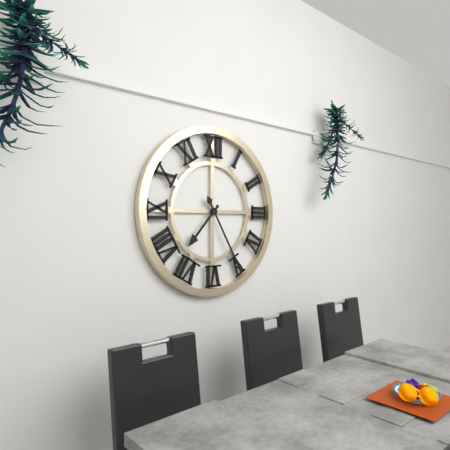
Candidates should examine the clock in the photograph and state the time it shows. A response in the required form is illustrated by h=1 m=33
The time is h=7 m=25
